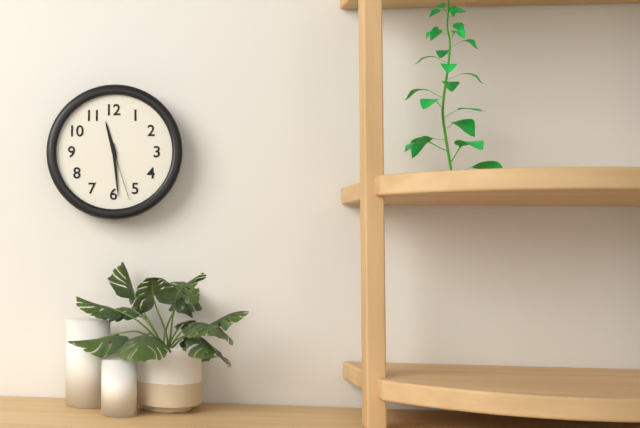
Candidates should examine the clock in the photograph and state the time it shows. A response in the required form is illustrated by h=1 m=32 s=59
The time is h=11 m=29 s=27
